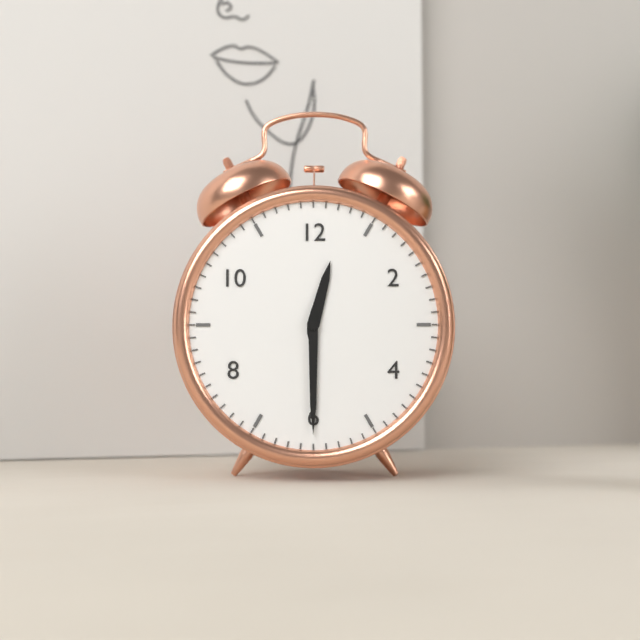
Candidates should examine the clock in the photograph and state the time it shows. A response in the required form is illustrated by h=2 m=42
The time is h=12 m=30
